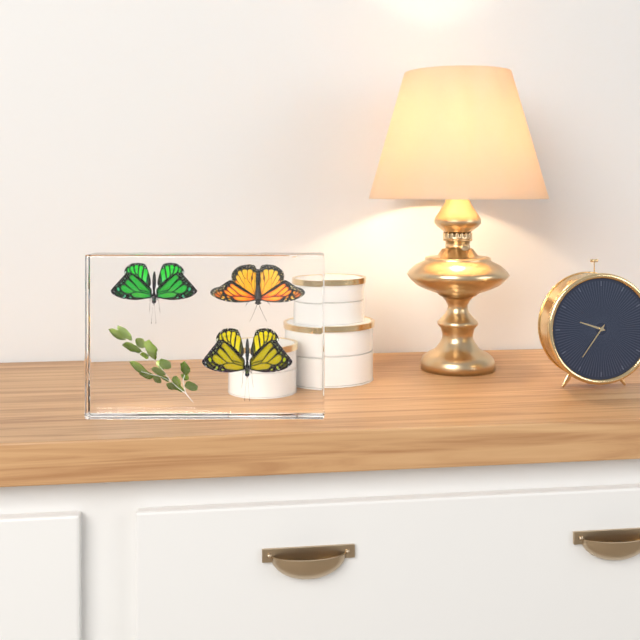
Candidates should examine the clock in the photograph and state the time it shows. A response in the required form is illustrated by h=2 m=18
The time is h=9 m=36
